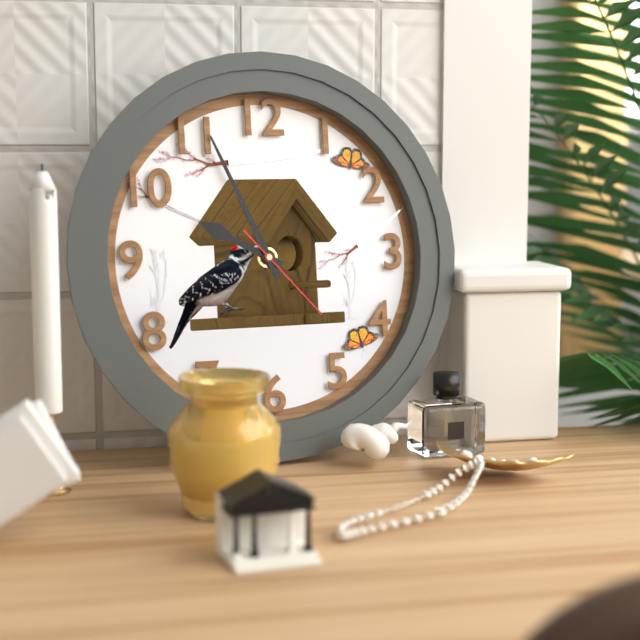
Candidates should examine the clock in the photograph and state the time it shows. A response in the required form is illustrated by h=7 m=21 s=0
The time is h=9 m=56 s=23
